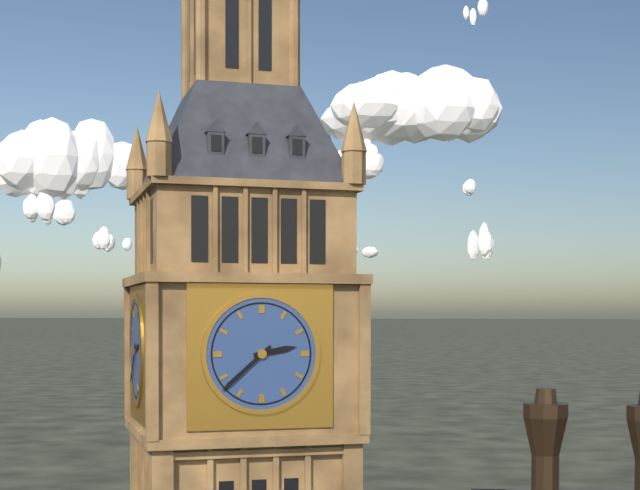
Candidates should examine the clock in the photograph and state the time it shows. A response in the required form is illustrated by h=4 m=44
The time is h=2 m=38
